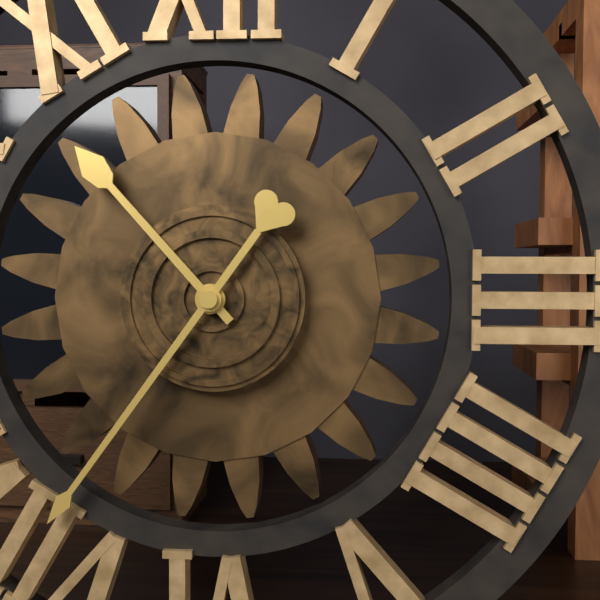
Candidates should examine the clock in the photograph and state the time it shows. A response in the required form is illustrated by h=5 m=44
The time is h=10 m=36
